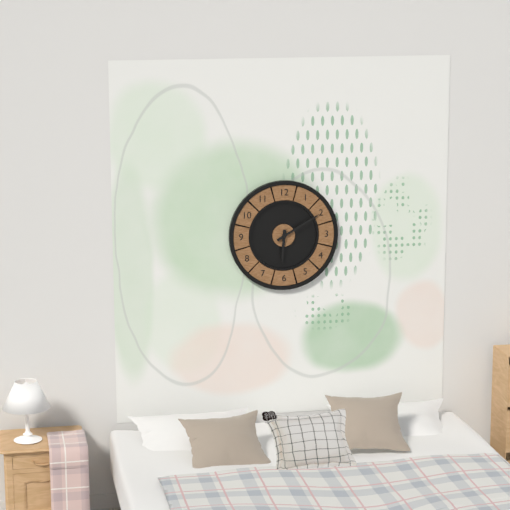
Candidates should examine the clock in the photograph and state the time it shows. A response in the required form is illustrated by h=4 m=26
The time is h=6 m=10
